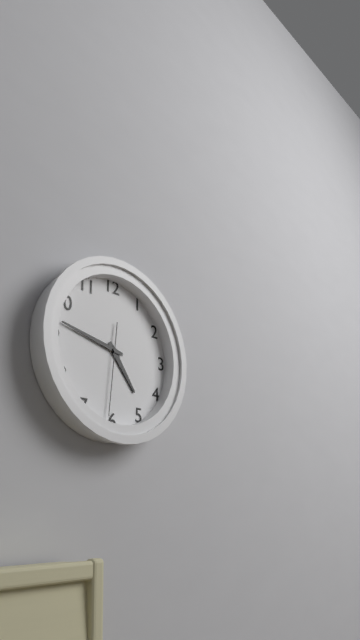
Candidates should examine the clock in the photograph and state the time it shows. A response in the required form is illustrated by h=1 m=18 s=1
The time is h=4 m=47 s=31
